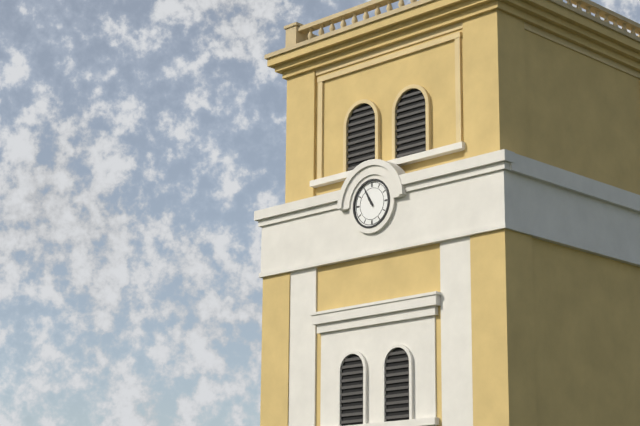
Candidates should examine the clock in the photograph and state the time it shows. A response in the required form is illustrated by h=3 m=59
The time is h=10 m=55
